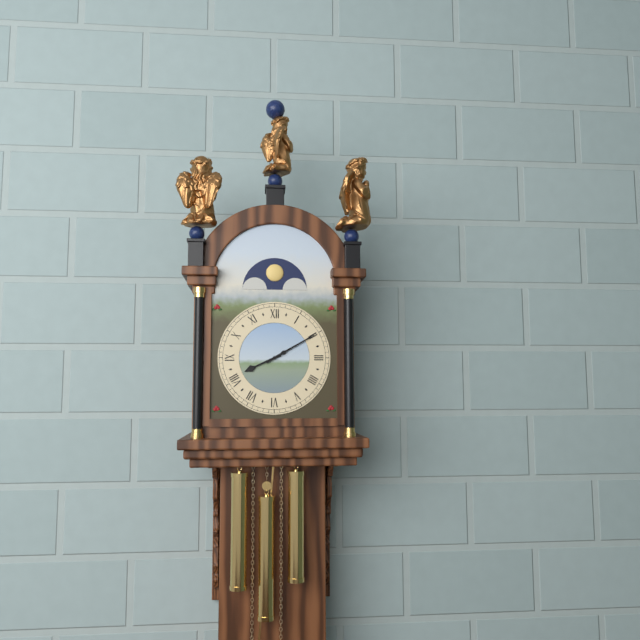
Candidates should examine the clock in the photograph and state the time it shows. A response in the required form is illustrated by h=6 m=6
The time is h=8 m=10
